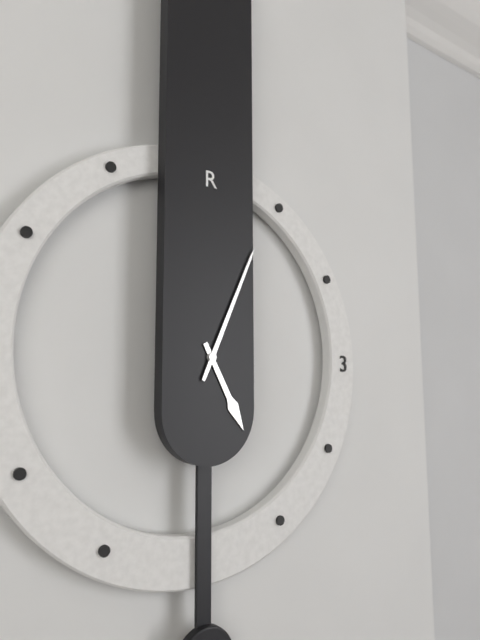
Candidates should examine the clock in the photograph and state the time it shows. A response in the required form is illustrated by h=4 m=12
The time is h=5 m=4
